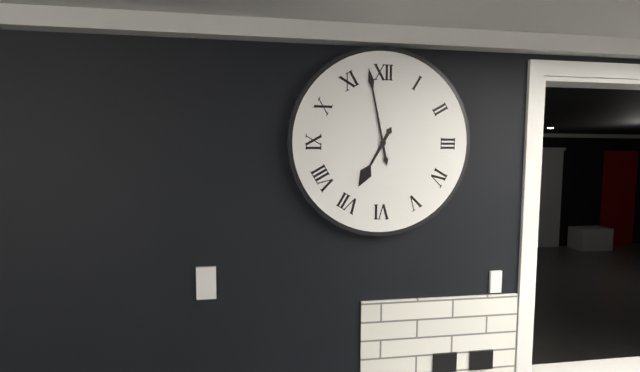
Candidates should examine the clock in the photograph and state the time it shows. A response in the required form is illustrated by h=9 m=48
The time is h=6 m=58
